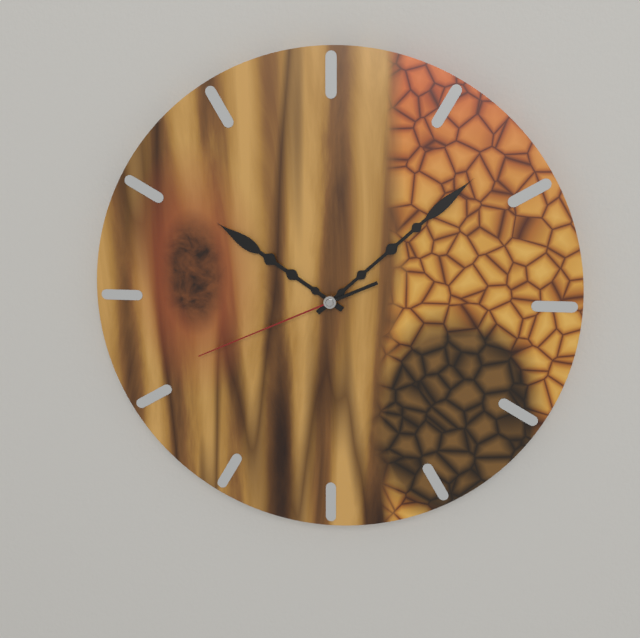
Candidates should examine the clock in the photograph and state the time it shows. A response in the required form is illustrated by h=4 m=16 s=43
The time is h=10 m=8 s=41
